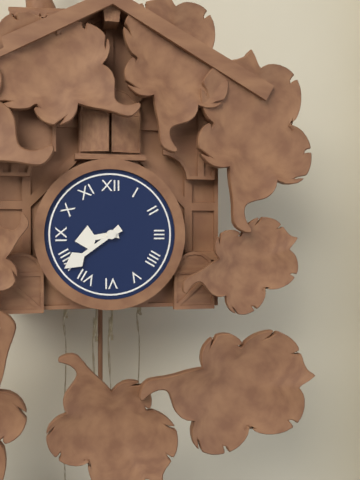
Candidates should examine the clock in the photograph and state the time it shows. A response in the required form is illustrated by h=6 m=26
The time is h=8 m=39
